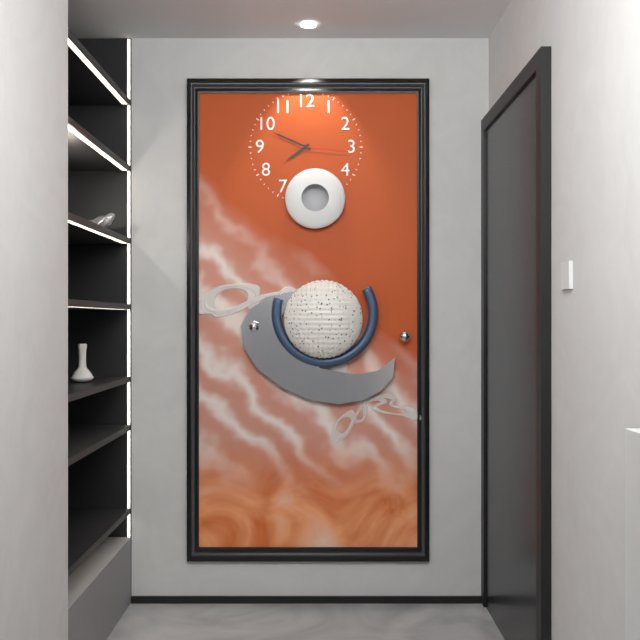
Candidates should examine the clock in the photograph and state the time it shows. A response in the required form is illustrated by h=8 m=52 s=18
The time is h=7 m=49 s=16
